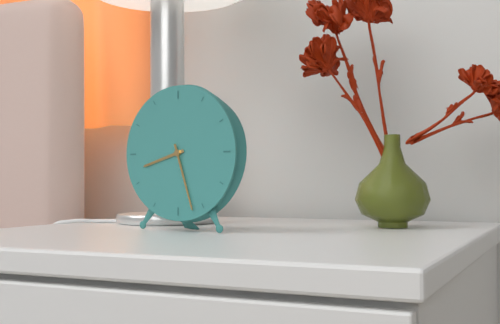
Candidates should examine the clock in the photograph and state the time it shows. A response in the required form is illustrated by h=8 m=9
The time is h=8 m=27
